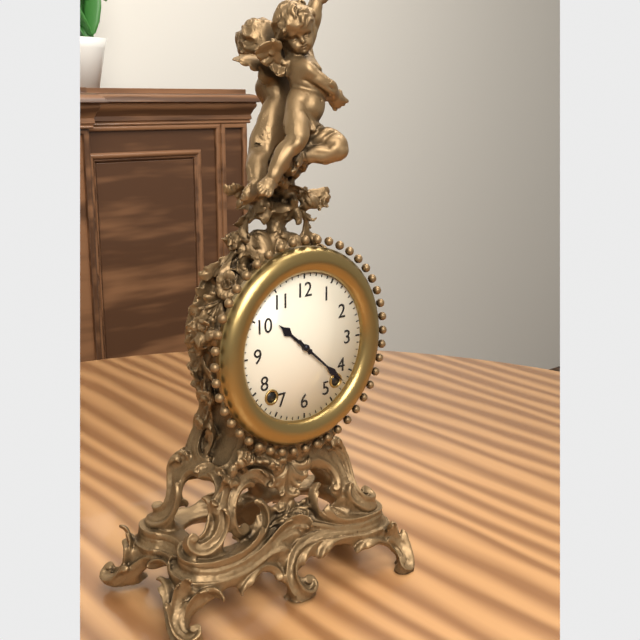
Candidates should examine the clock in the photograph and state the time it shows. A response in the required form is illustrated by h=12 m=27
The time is h=10 m=22
